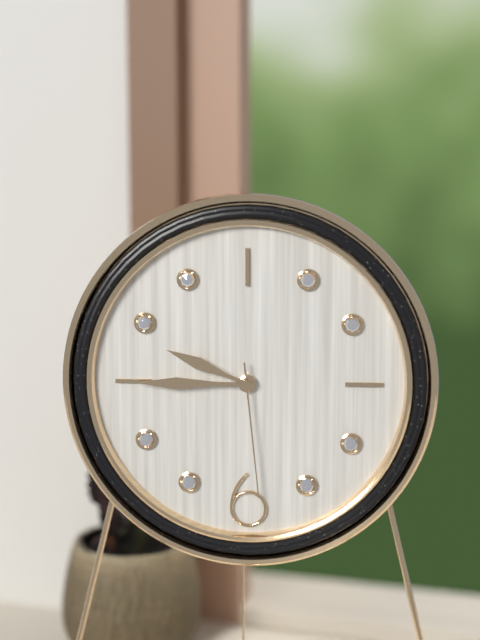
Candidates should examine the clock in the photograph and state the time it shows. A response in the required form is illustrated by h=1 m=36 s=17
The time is h=9 m=45 s=29
